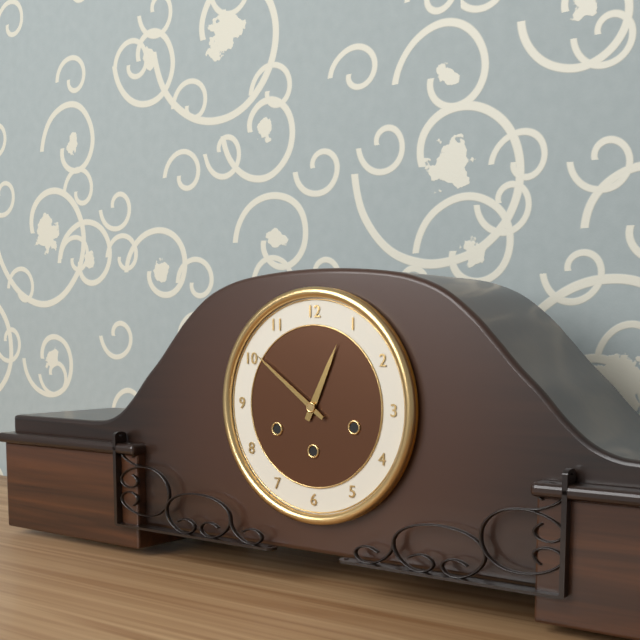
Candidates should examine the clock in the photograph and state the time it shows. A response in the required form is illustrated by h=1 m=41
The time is h=12 m=51
